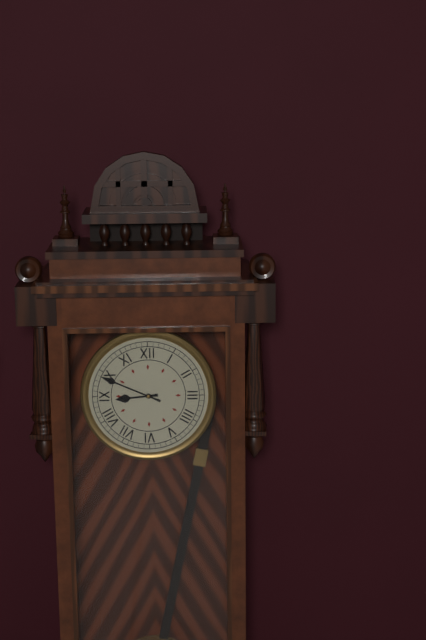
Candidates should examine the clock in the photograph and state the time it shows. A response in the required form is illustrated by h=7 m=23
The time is h=8 m=49
